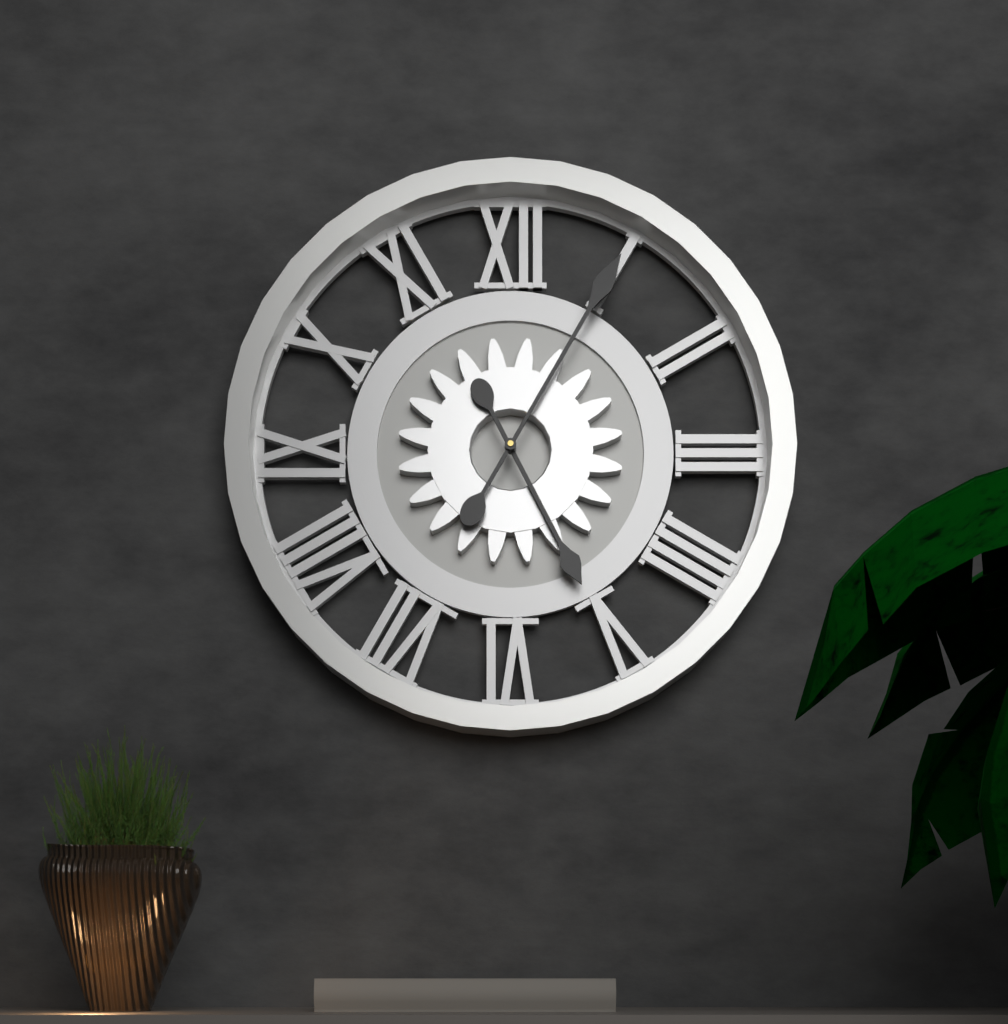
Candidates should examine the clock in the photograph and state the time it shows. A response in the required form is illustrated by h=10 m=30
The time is h=5 m=5
